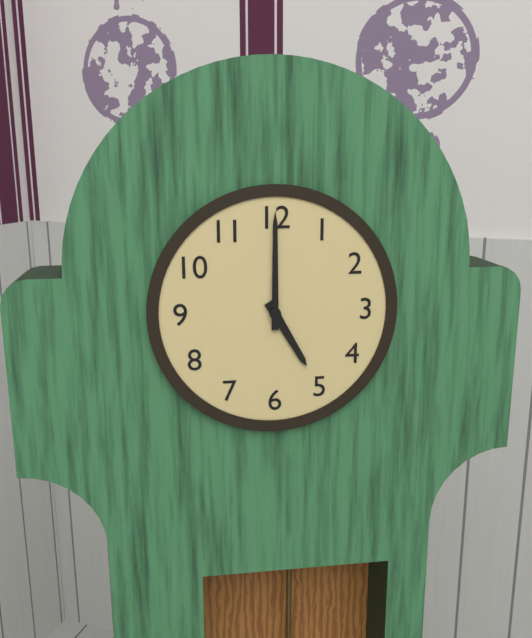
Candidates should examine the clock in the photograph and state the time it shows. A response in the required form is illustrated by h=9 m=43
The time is h=5 m=0
